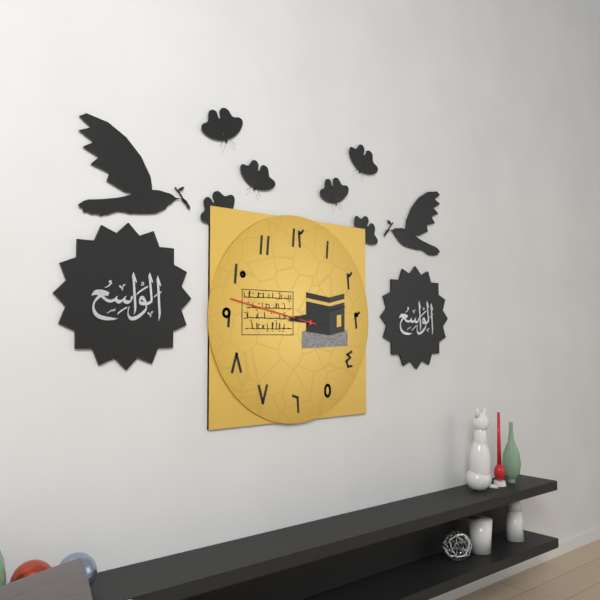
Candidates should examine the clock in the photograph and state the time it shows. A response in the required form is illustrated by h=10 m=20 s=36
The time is h=3 m=13 s=47
